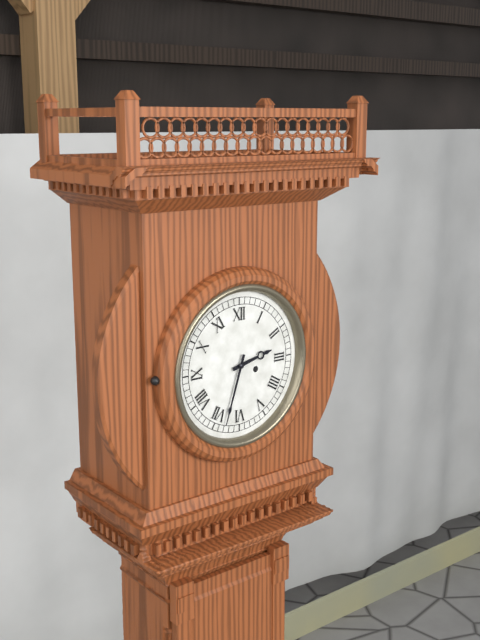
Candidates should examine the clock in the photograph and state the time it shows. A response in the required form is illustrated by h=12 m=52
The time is h=2 m=33
